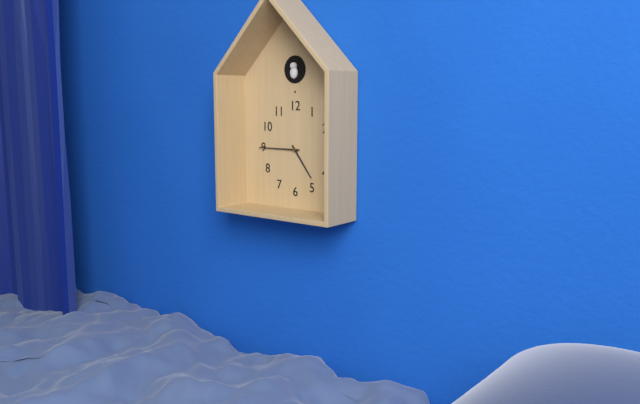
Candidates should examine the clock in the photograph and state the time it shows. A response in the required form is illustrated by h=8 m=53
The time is h=4 m=45
